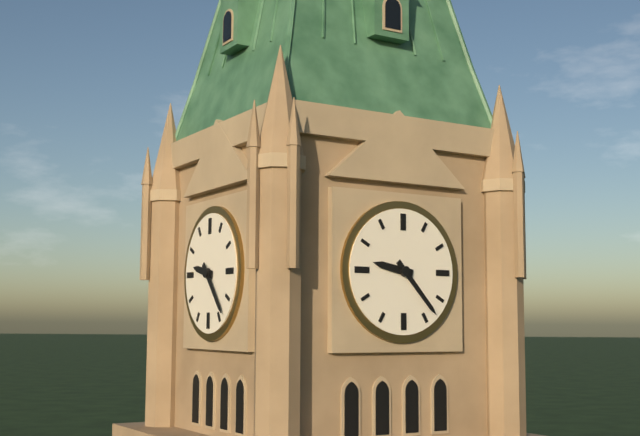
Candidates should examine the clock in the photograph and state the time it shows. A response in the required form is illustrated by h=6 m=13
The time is h=9 m=23
